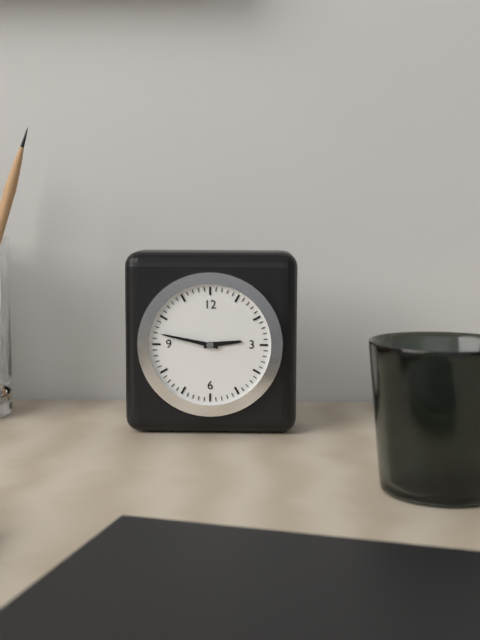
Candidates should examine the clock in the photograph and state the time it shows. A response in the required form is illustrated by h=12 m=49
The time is h=2 m=47
